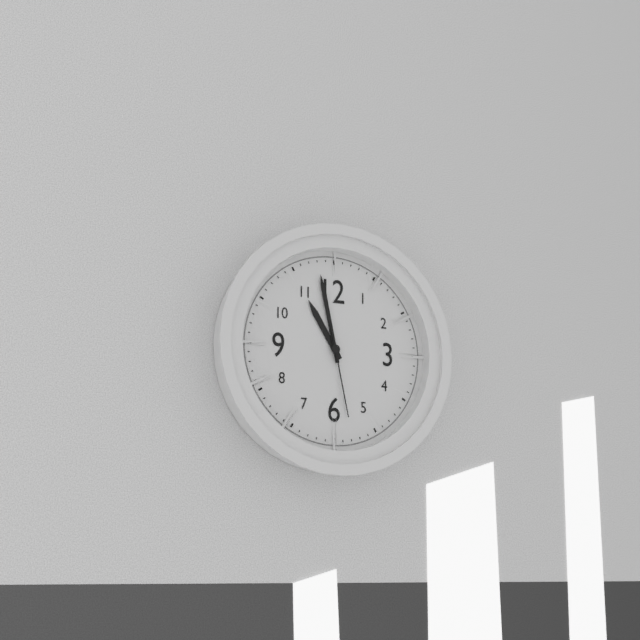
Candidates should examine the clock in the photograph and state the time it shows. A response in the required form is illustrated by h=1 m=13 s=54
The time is h=10 m=58 s=28
